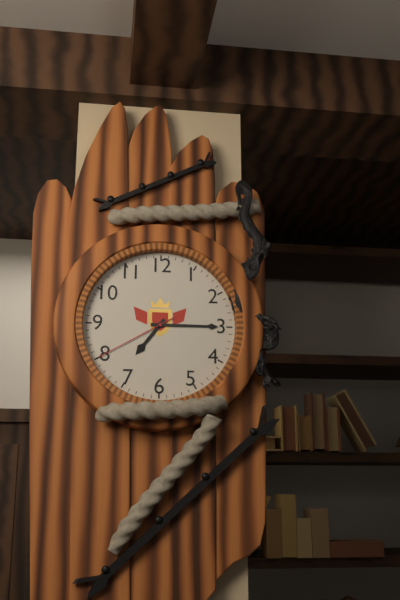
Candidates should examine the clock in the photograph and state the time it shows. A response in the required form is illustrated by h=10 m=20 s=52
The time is h=7 m=15 s=40
